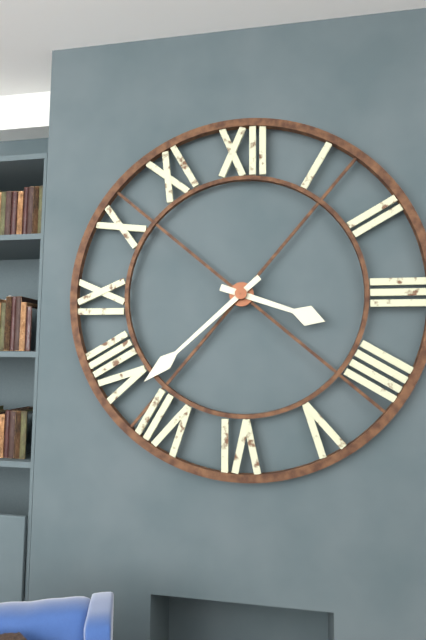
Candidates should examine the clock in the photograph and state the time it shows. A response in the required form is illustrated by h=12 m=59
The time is h=3 m=38
